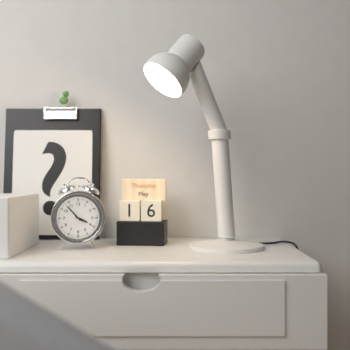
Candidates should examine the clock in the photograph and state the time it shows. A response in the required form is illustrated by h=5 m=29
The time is h=3 m=53
